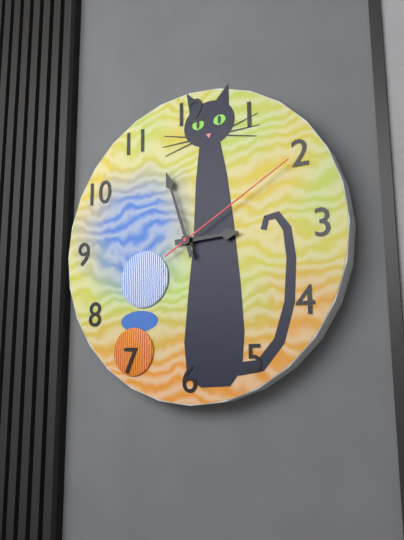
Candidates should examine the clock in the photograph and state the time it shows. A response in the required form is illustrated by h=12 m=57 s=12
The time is h=2 m=57 s=10
